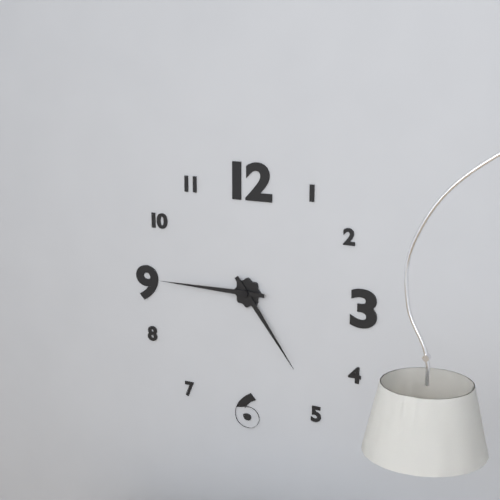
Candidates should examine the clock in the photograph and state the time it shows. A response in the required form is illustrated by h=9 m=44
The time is h=4 m=45
